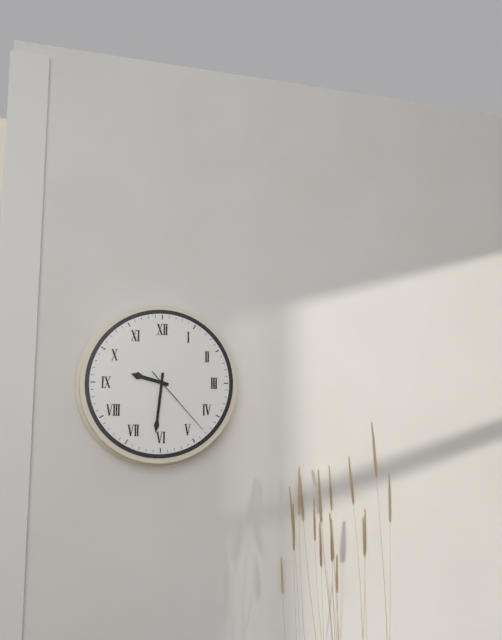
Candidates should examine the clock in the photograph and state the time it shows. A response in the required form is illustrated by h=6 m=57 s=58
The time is h=9 m=31 s=23
